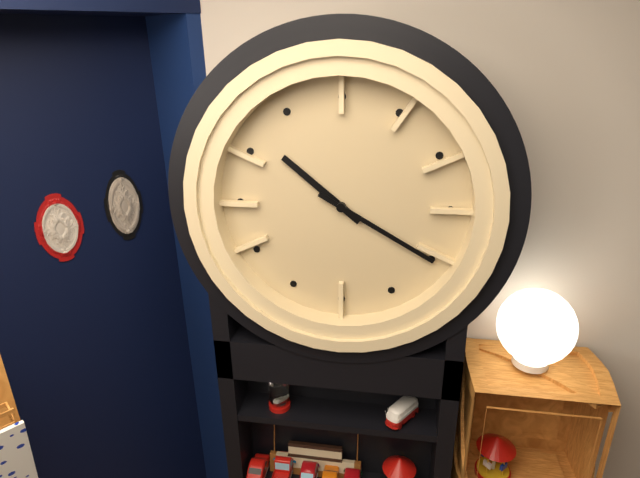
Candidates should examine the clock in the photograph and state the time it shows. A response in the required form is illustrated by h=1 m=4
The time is h=10 m=20
